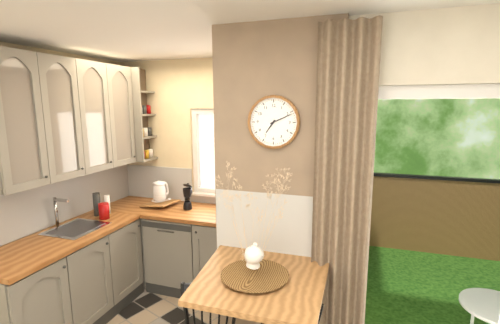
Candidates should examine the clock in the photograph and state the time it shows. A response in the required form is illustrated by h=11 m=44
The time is h=7 m=11
